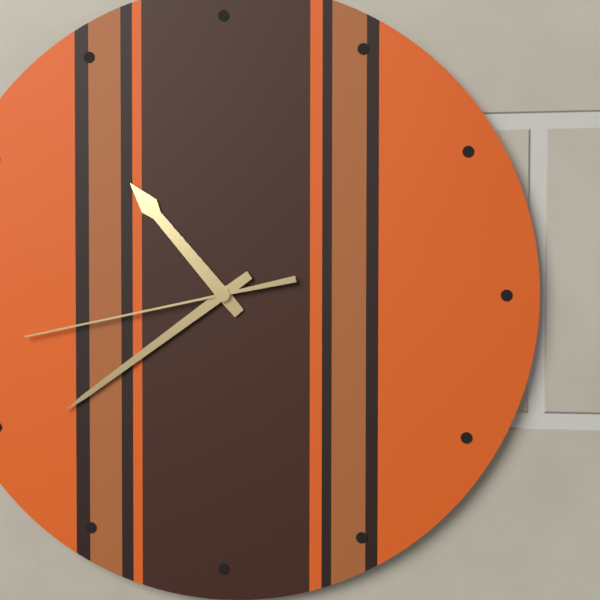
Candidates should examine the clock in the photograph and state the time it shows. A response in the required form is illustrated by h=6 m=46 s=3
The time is h=10 m=39 s=43
